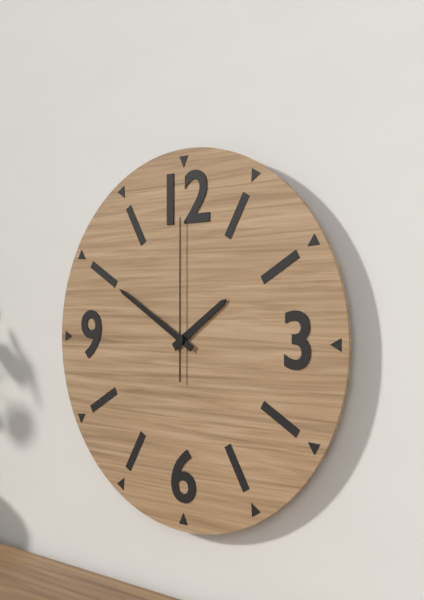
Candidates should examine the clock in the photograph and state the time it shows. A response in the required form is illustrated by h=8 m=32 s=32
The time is h=1 m=50 s=0
